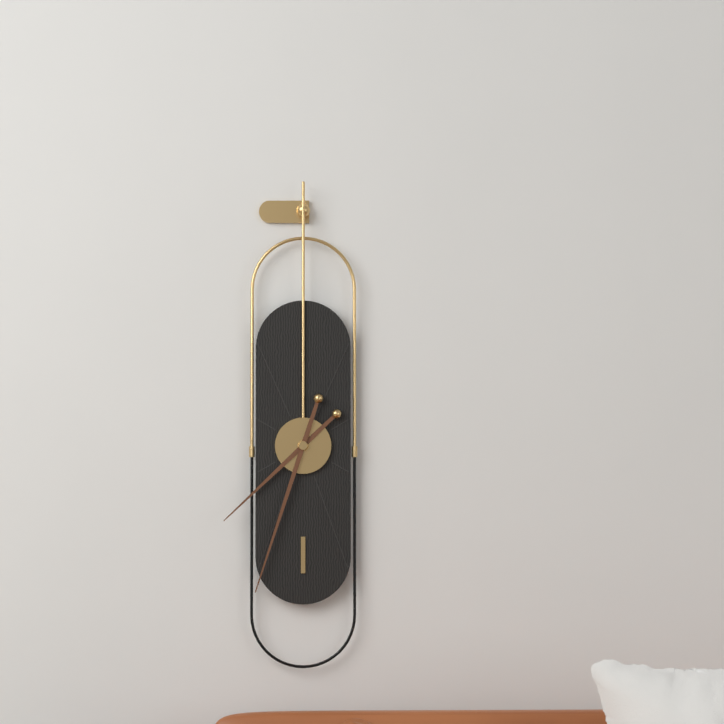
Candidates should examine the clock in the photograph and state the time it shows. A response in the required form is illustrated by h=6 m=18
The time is h=7 m=33
